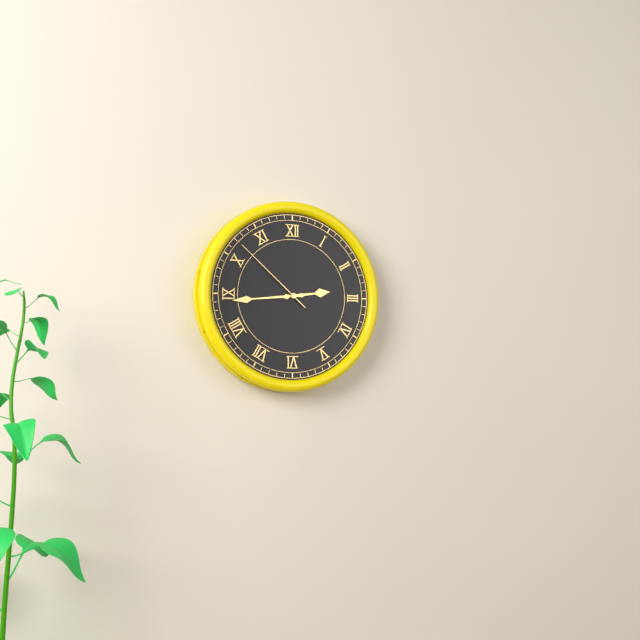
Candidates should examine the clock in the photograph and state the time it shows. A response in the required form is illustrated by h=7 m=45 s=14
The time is h=2 m=44 s=52
